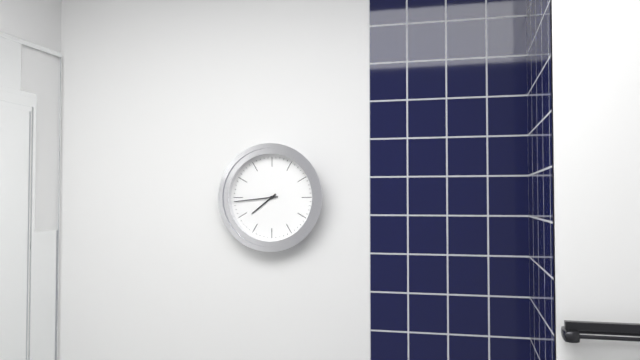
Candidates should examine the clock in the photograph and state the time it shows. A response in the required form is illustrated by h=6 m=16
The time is h=7 m=44
